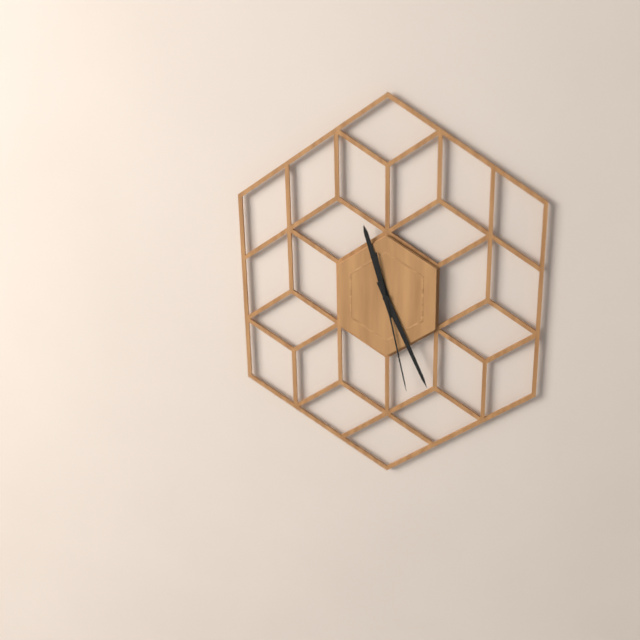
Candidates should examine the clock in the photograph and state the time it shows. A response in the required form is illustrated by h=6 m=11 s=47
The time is h=11 m=26 s=28
